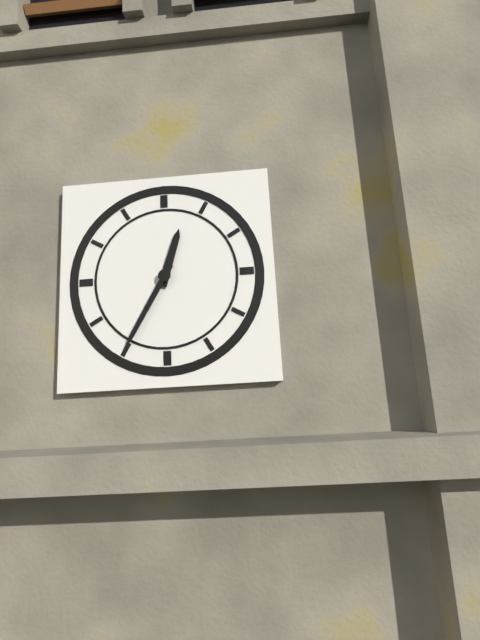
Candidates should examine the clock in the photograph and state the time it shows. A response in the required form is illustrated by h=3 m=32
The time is h=12 m=35
